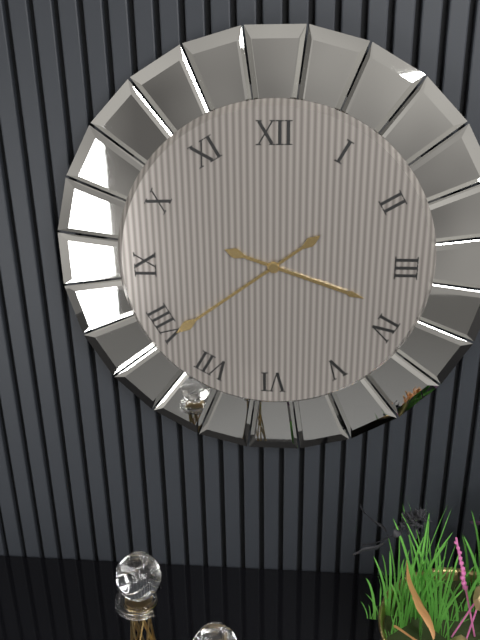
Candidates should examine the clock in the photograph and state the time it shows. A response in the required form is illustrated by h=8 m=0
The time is h=3 m=39
